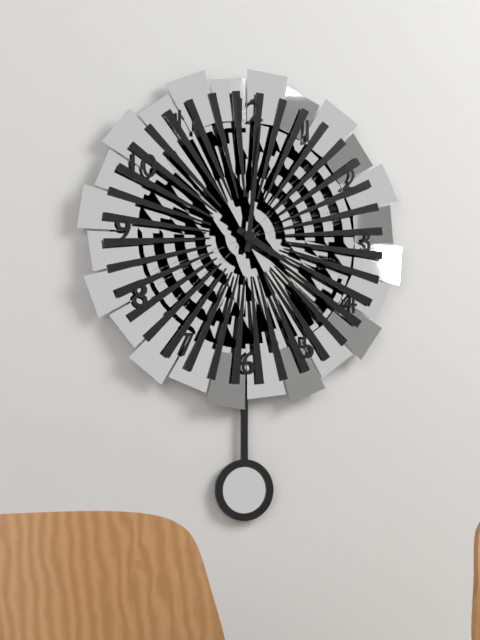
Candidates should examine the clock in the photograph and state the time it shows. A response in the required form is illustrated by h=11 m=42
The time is h=4 m=1
